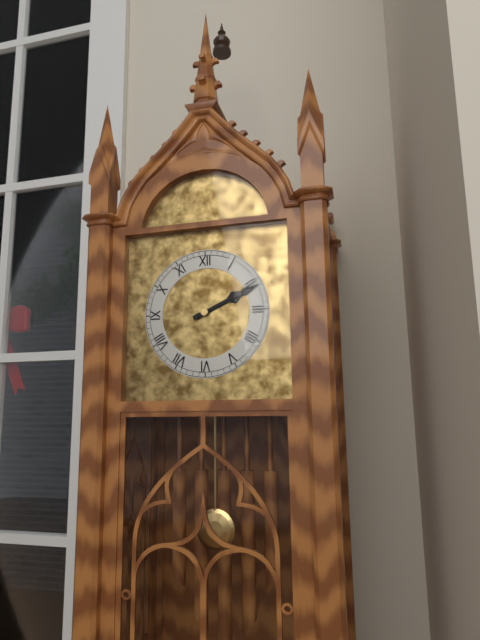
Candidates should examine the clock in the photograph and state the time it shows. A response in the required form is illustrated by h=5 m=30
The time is h=2 m=11
